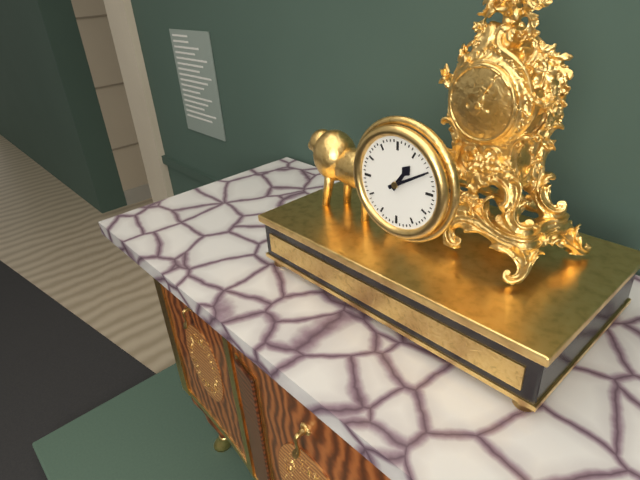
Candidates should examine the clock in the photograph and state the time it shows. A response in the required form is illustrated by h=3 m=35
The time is h=1 m=10
